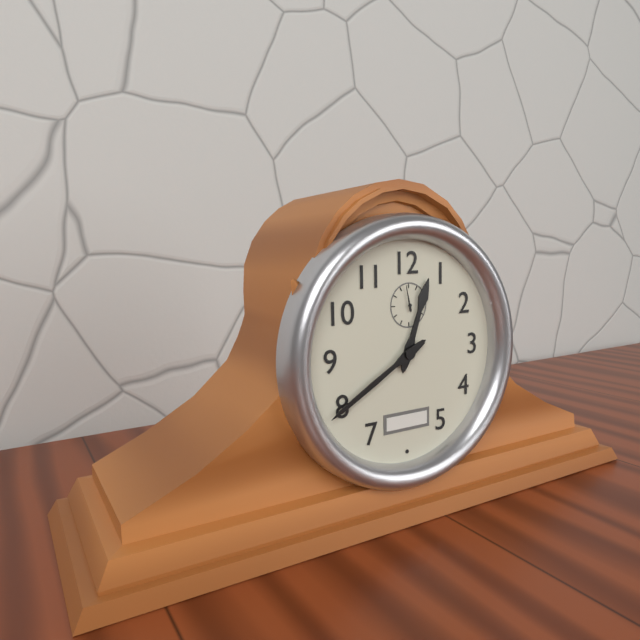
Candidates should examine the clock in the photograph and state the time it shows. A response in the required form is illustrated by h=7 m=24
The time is h=12 m=40
